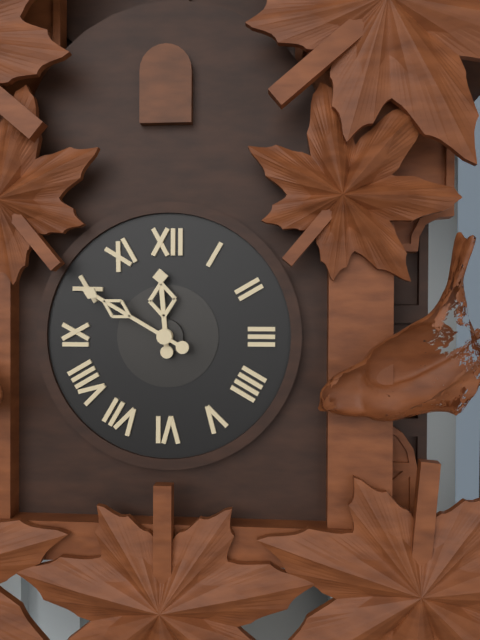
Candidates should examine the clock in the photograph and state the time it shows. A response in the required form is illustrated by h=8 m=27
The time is h=11 m=50
